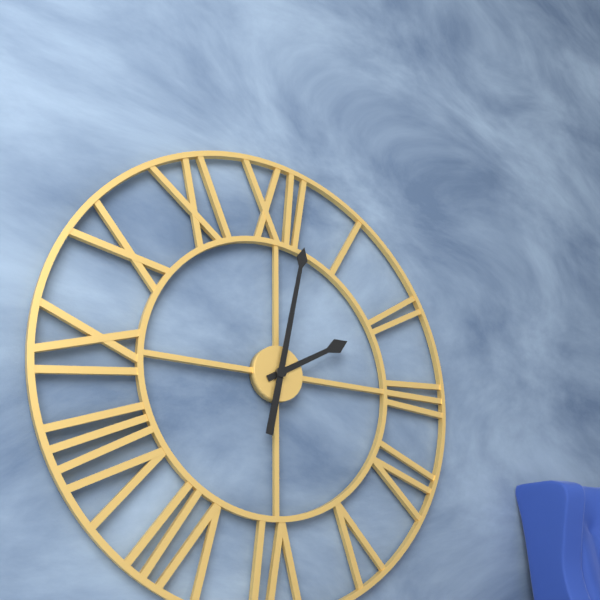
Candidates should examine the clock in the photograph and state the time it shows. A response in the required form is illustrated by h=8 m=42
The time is h=2 m=2
